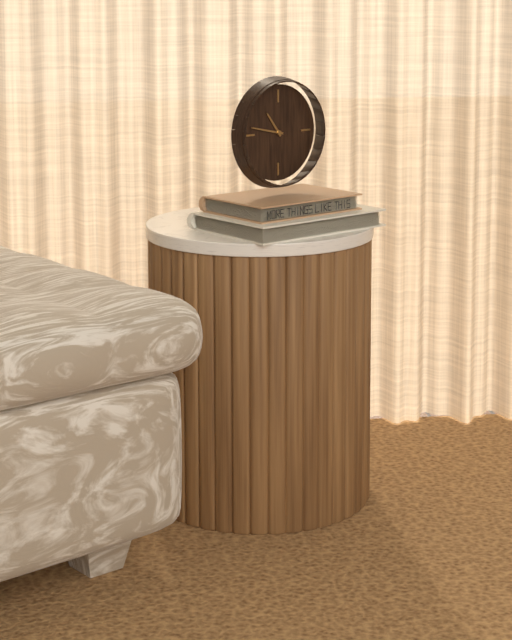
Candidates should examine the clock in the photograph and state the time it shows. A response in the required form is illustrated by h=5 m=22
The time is h=10 m=47
